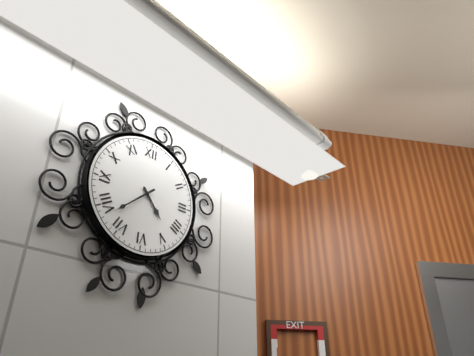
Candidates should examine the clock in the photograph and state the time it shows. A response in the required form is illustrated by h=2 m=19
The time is h=4 m=38
